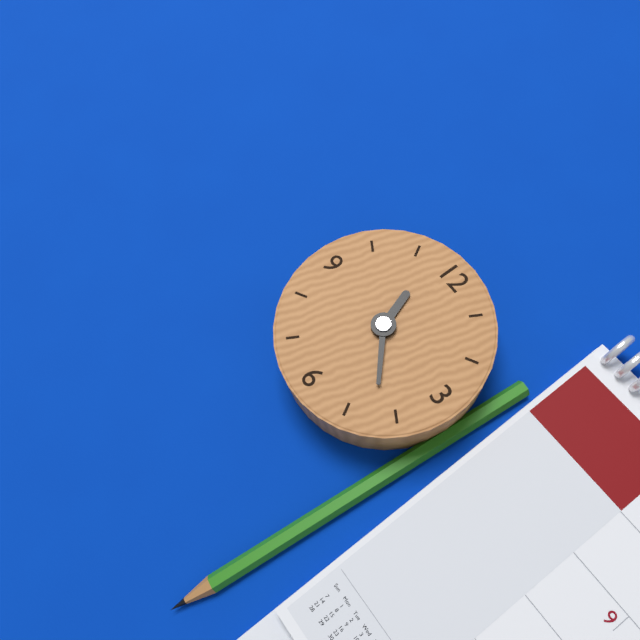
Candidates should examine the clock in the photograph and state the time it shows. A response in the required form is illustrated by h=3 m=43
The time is h=11 m=22
